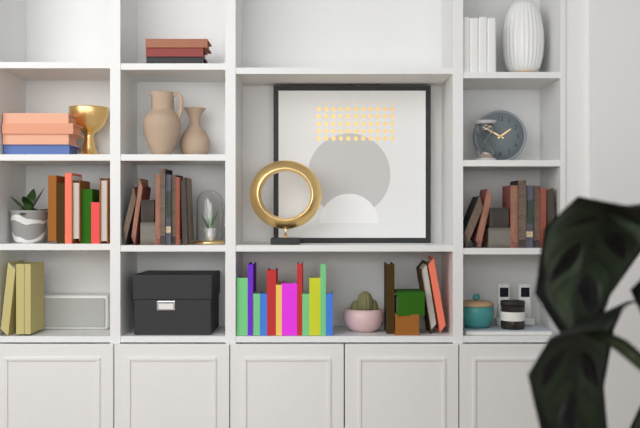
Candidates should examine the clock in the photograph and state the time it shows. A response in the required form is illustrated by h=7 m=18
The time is h=1 m=50
